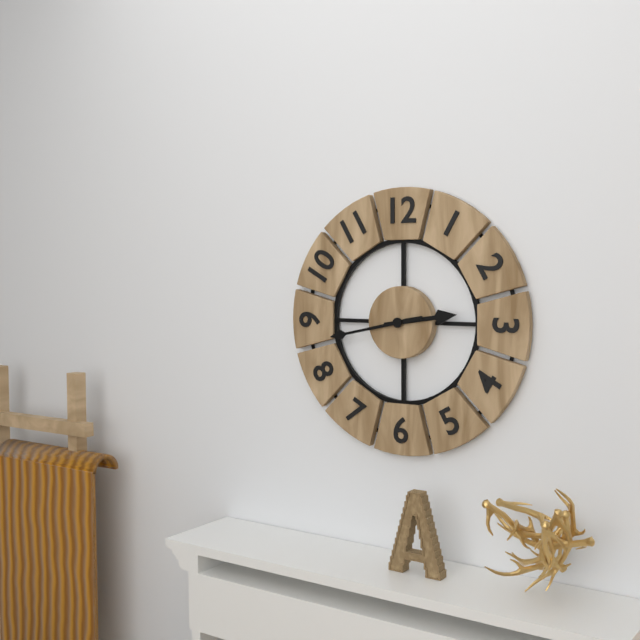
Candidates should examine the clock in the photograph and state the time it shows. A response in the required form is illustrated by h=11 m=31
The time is h=2 m=43
